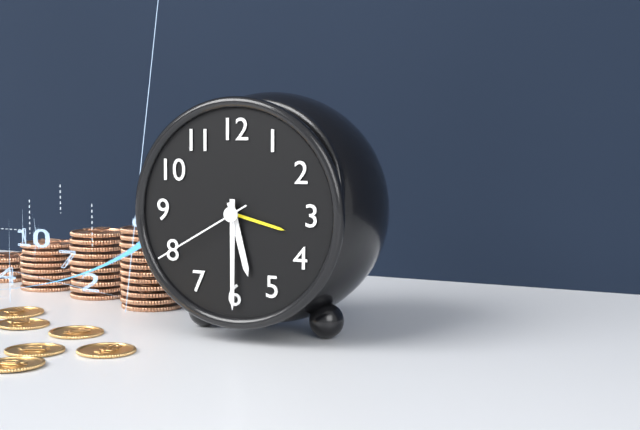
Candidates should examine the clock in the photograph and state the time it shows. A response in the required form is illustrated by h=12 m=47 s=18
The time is h=5 m=30 s=40
